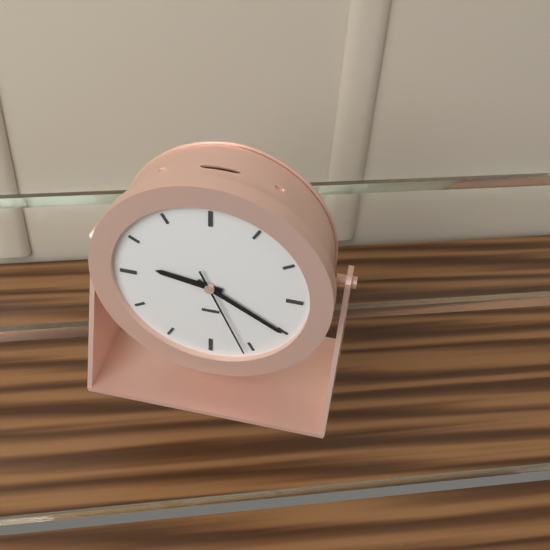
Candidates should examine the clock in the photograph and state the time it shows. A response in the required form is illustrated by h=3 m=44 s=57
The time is h=9 m=20 s=26
